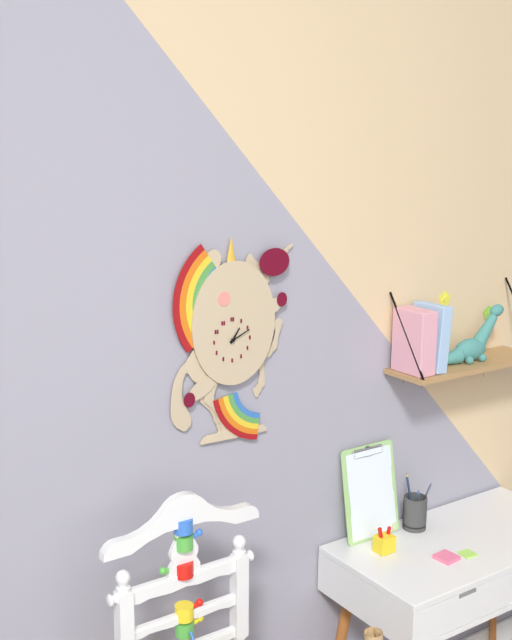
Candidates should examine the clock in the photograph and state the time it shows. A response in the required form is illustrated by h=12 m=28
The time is h=1 m=11
